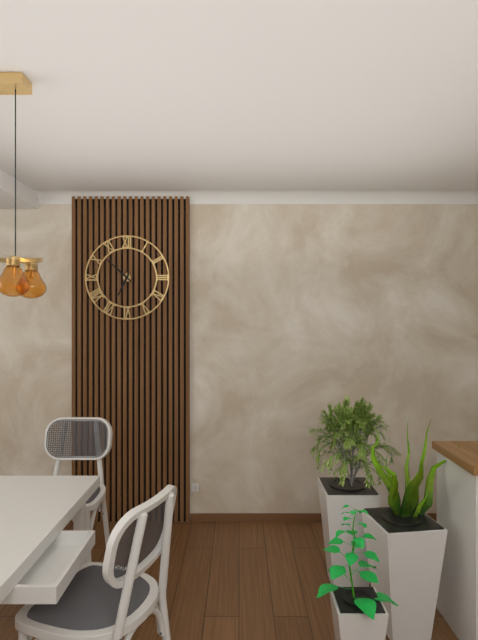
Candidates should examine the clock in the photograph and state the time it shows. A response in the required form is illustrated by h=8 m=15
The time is h=6 m=52
